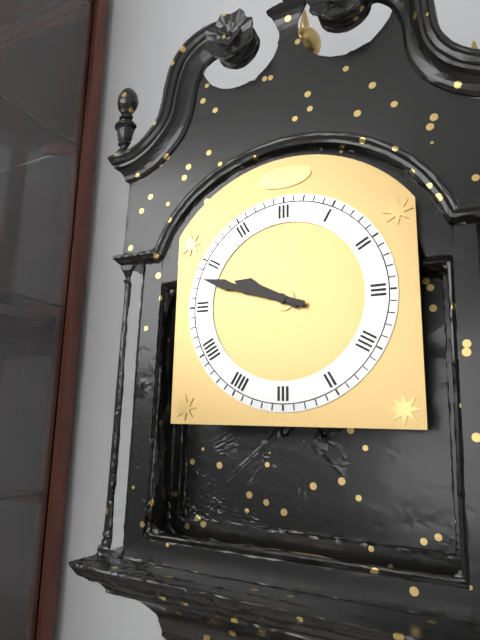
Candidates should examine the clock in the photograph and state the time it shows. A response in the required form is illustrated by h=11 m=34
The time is h=9 m=48
